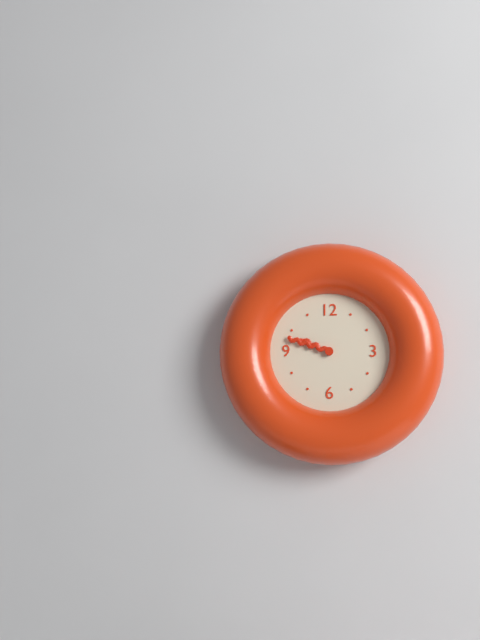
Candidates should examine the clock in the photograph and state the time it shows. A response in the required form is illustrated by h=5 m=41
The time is h=9 m=48
